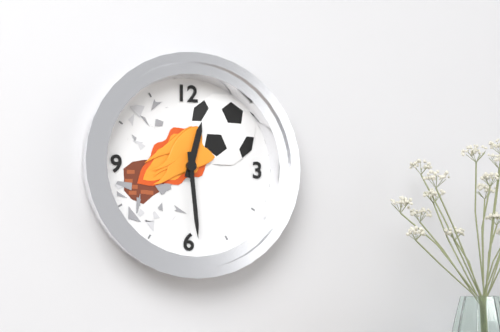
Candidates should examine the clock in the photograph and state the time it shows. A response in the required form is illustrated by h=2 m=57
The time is h=12 m=29
